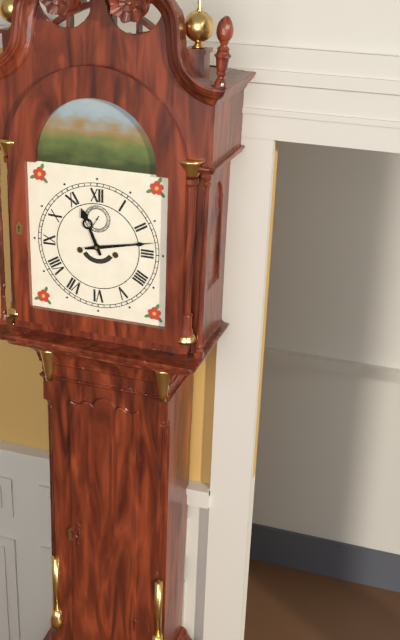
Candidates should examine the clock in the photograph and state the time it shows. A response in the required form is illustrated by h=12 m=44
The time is h=11 m=13
